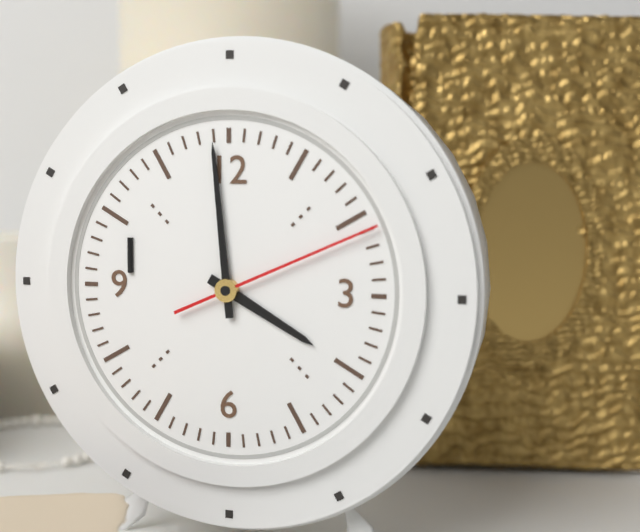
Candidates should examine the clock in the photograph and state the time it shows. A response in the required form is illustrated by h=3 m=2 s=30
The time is h=3 m=59 s=11
